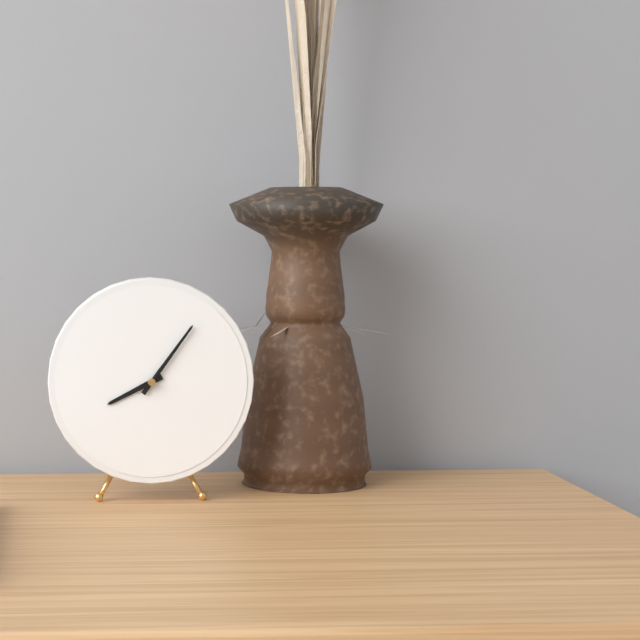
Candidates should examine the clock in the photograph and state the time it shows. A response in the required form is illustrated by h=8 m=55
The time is h=8 m=6
